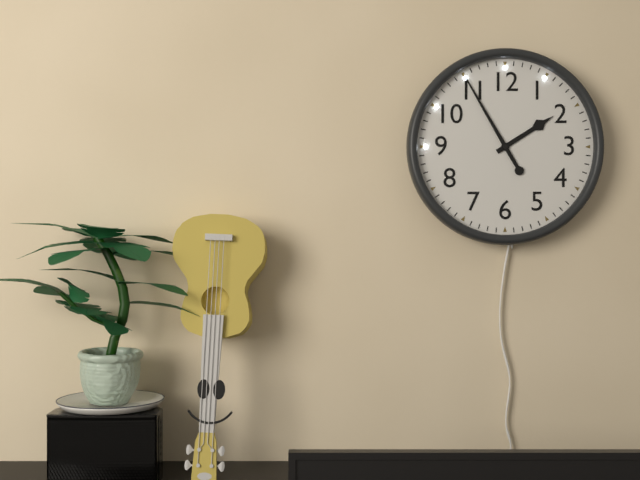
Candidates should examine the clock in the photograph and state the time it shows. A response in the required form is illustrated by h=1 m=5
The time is h=1 m=55
